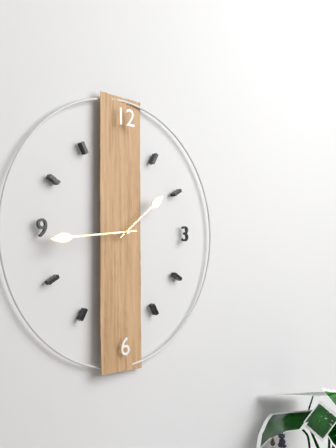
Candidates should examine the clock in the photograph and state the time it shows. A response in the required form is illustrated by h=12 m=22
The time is h=1 m=44
